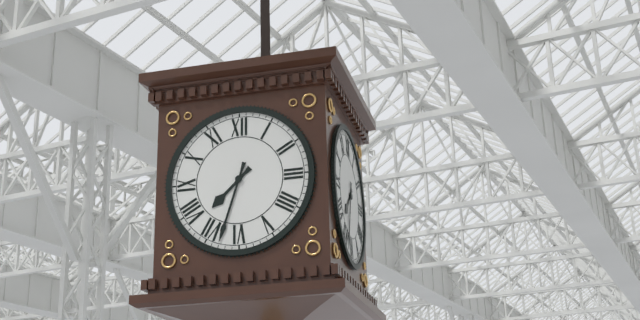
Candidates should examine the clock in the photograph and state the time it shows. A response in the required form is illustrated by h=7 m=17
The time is h=7 m=33
